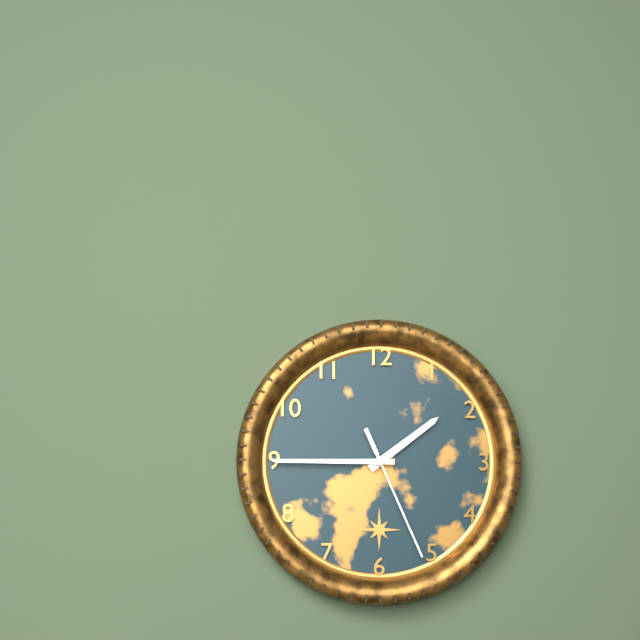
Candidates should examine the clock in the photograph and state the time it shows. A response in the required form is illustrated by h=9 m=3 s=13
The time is h=1 m=45 s=26
